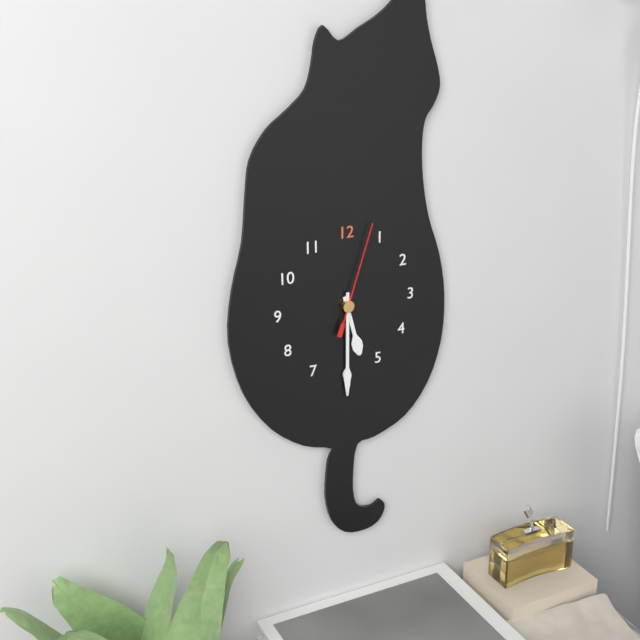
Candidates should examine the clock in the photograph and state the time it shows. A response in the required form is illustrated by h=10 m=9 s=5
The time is h=5 m=30 s=3
